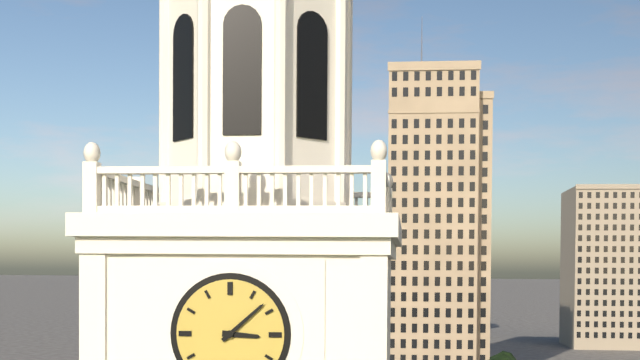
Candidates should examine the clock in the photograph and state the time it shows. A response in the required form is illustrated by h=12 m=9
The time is h=3 m=8
